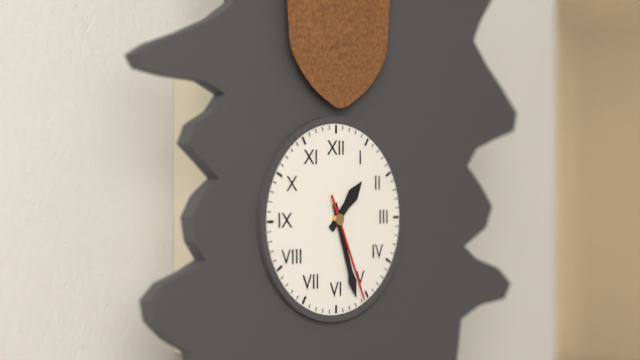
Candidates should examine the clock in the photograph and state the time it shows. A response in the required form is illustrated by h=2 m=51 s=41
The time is h=1 m=27 s=26
